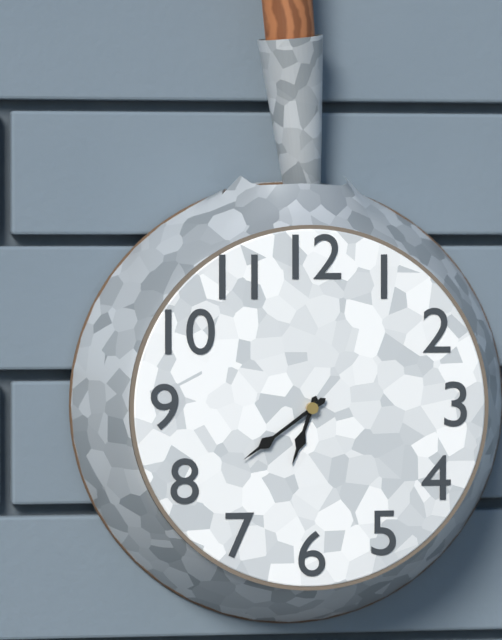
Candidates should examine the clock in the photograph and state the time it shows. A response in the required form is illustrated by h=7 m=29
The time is h=6 m=39
